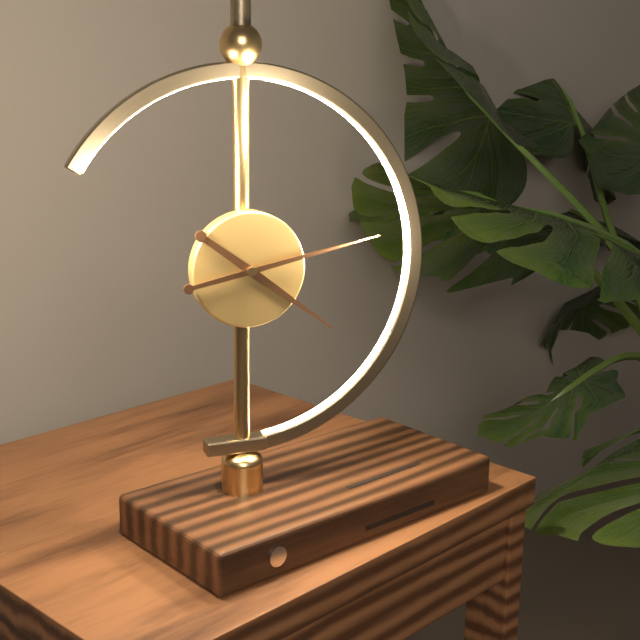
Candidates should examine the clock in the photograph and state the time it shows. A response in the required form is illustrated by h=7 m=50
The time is h=4 m=13
